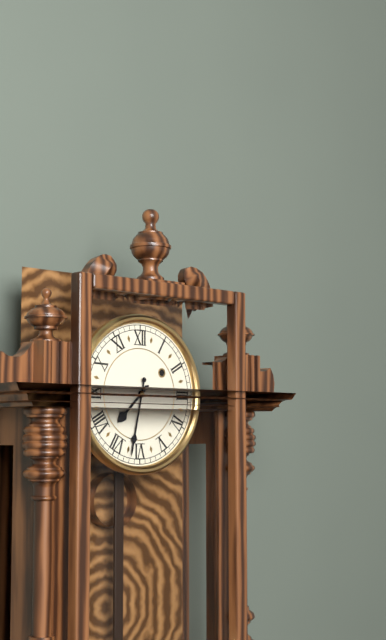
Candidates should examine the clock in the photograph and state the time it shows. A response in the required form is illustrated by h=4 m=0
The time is h=7 m=32
